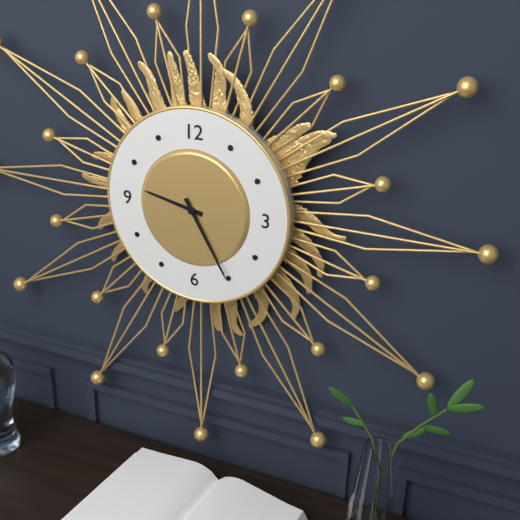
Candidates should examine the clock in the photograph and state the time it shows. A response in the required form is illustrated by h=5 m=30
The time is h=9 m=25
